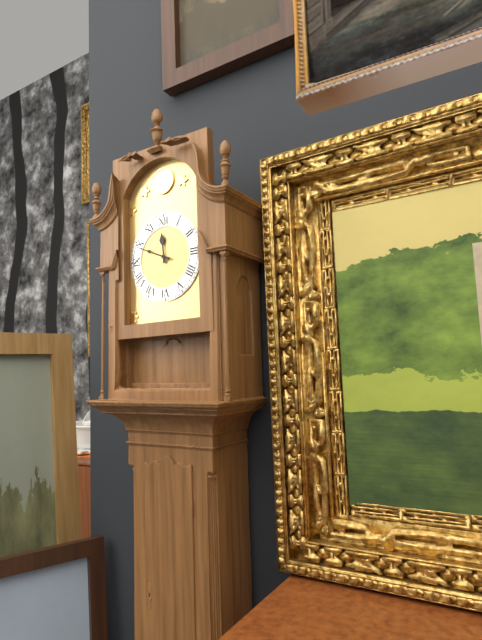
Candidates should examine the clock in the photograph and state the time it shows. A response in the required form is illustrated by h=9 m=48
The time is h=11 m=49
